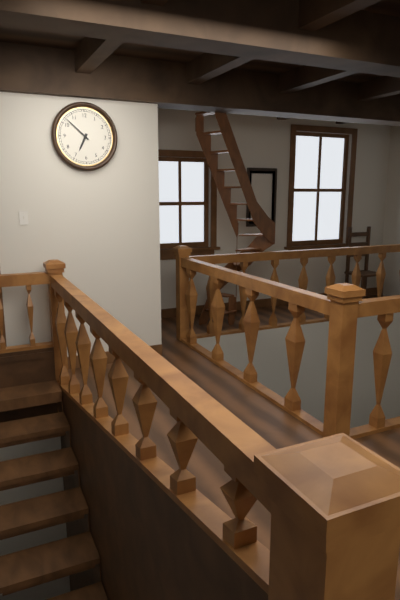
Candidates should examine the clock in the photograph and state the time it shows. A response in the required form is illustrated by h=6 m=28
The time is h=6 m=52
